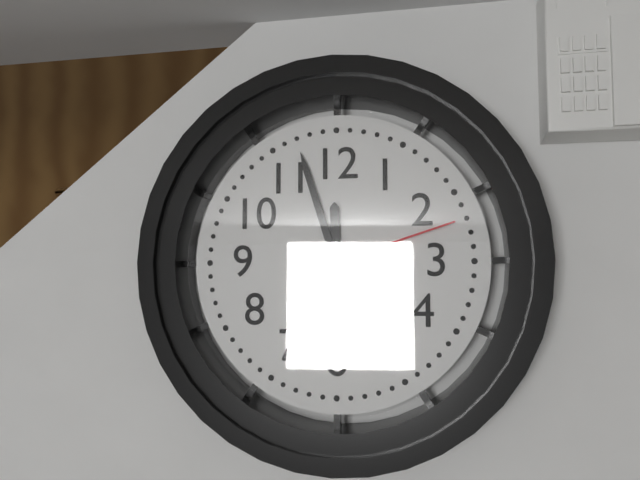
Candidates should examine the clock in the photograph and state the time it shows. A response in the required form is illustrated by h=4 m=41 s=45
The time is h=11 m=57 s=12
